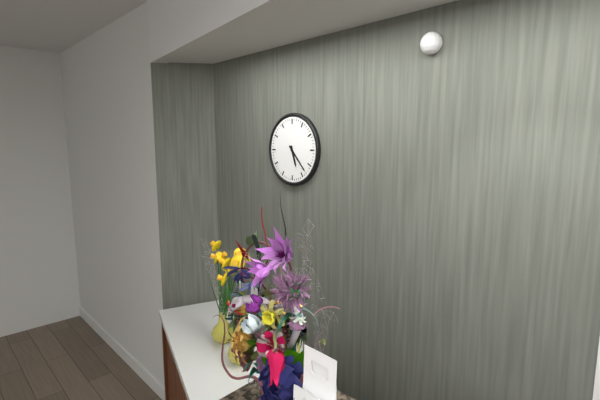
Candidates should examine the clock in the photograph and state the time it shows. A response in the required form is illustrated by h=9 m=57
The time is h=5 m=23
